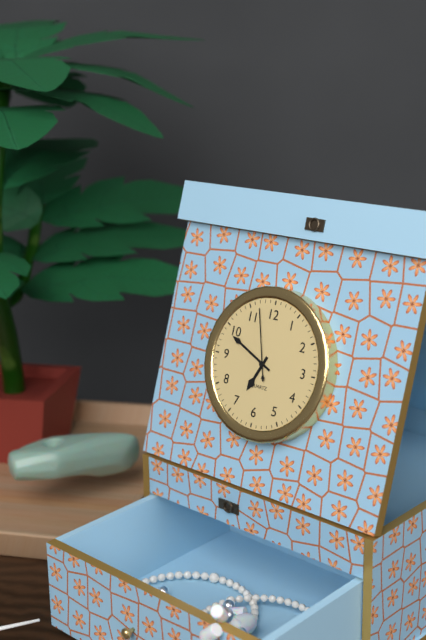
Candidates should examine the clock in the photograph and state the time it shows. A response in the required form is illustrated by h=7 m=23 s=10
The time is h=6 m=49 s=57
